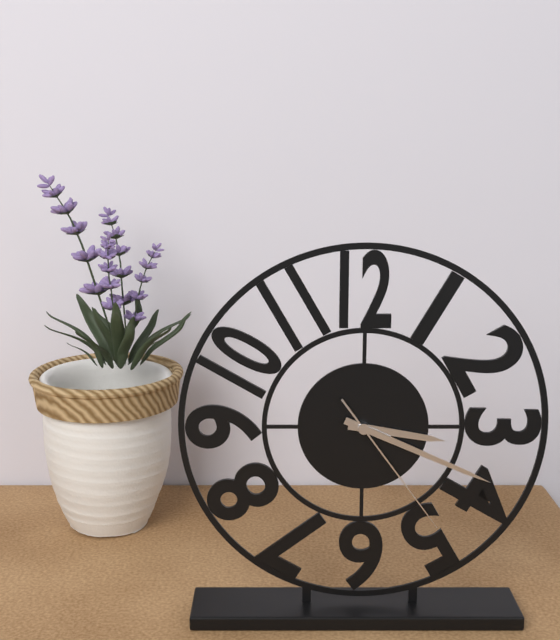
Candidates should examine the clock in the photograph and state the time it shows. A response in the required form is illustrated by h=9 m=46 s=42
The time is h=3 m=19 s=24
